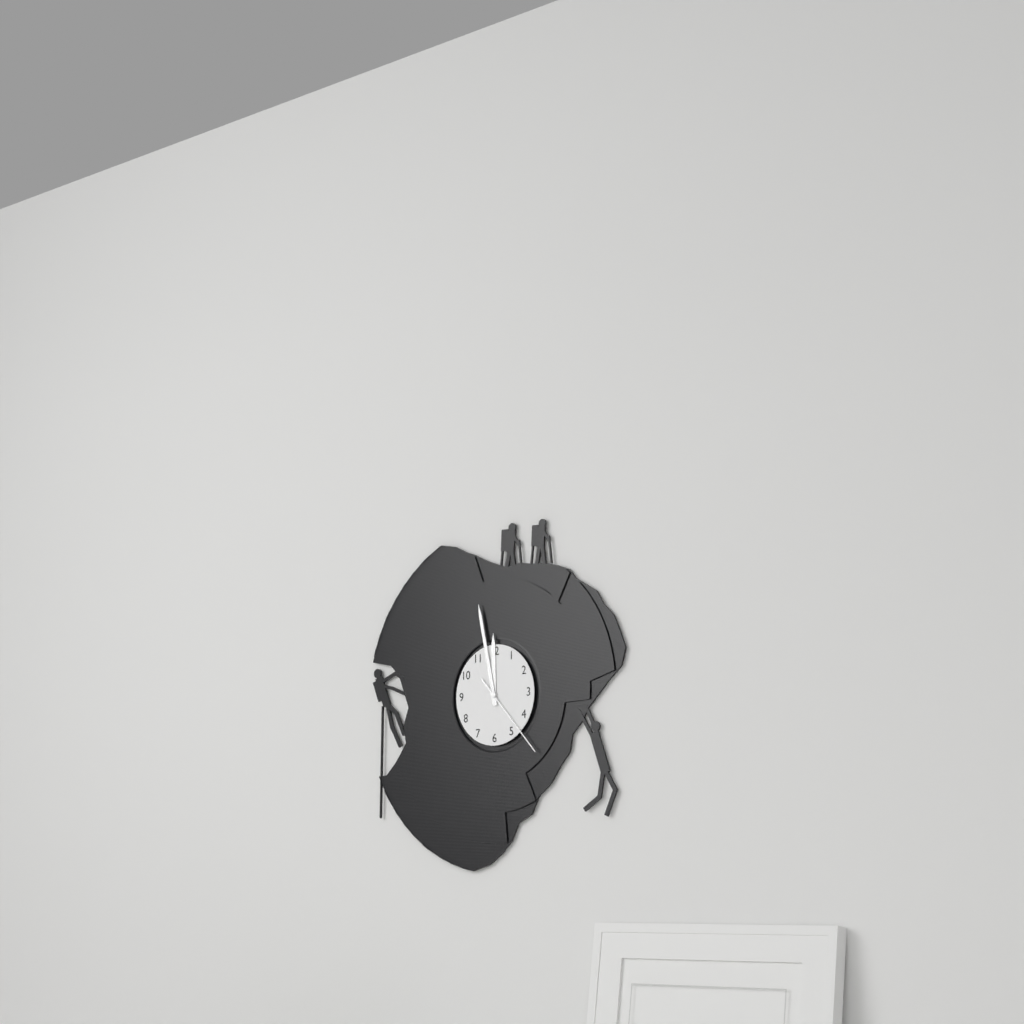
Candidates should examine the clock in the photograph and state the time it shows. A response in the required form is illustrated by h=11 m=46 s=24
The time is h=11 m=58 s=23
